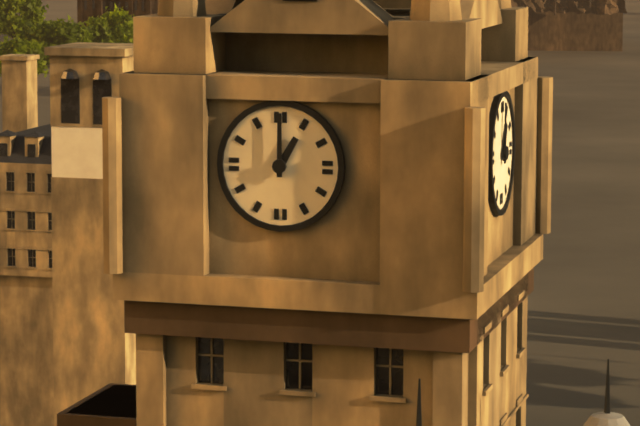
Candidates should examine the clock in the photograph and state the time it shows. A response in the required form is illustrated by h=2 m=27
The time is h=1 m=0
